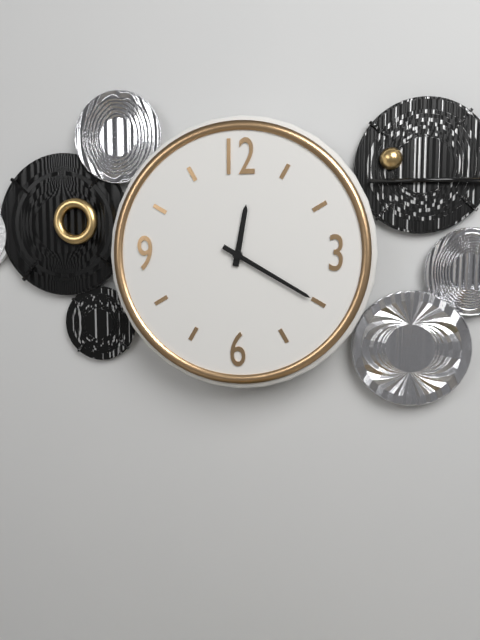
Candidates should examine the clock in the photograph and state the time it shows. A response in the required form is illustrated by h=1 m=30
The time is h=12 m=20
